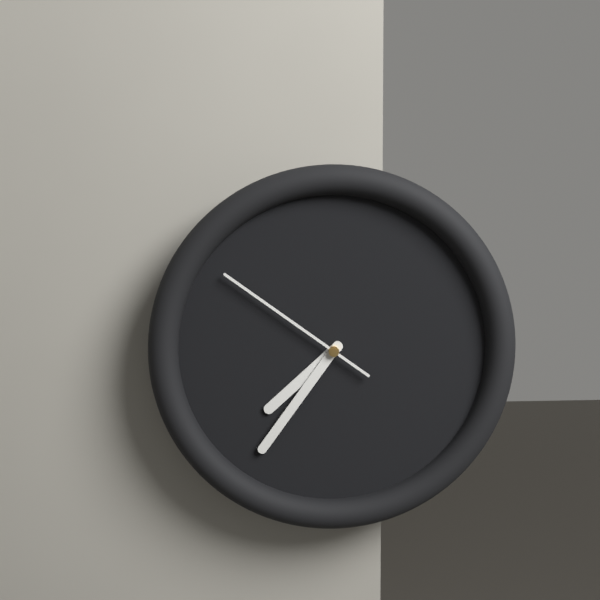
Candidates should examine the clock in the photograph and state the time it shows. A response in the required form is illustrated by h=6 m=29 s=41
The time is h=7 m=36 s=51
